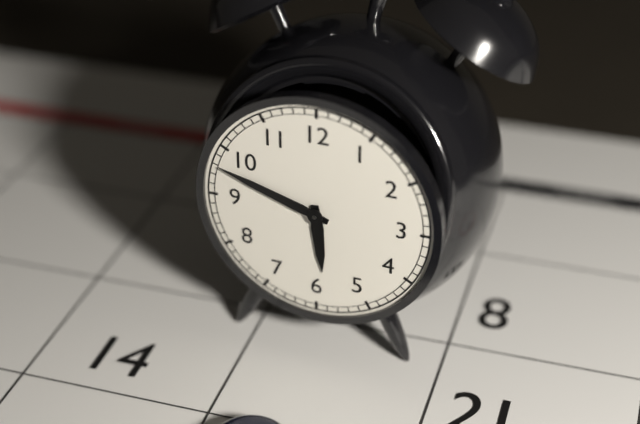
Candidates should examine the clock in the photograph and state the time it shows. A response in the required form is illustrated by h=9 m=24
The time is h=5 m=48
